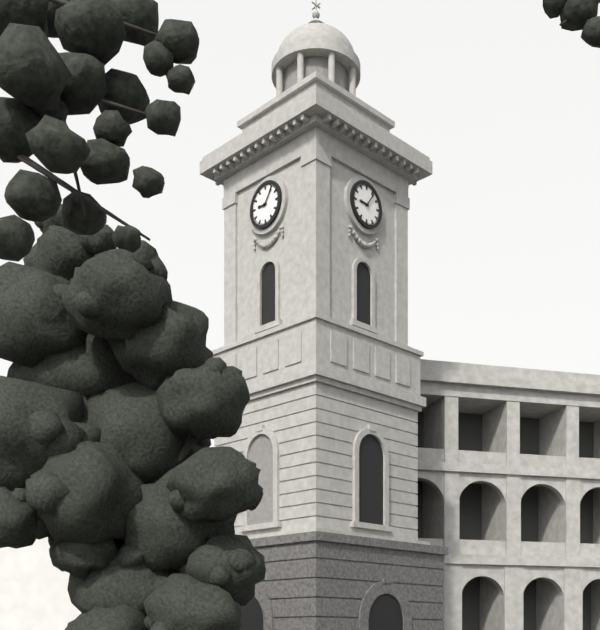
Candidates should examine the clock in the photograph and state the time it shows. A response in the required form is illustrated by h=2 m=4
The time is h=9 m=6
